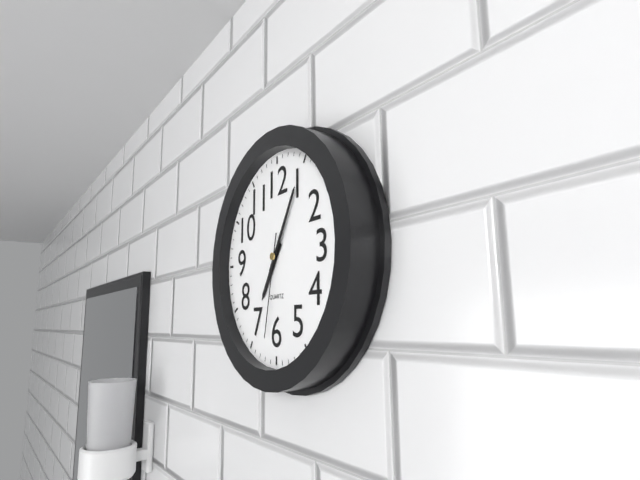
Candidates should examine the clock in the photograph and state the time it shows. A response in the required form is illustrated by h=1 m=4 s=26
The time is h=7 m=5 s=32
